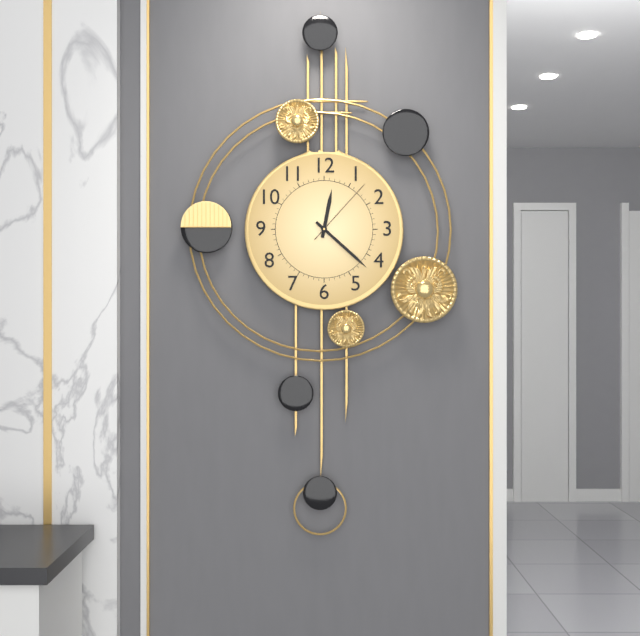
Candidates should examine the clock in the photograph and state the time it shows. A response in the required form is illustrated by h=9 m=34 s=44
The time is h=12 m=22 s=7
